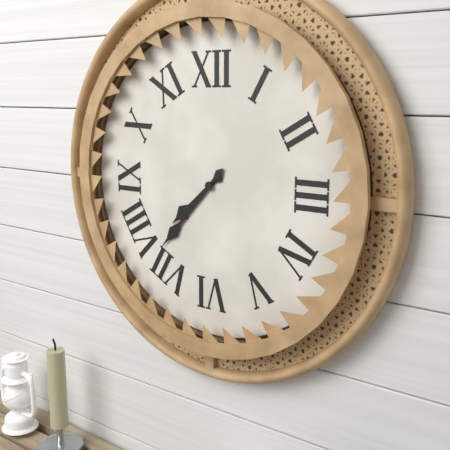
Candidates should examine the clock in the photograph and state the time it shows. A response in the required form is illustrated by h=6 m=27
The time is h=7 m=37
